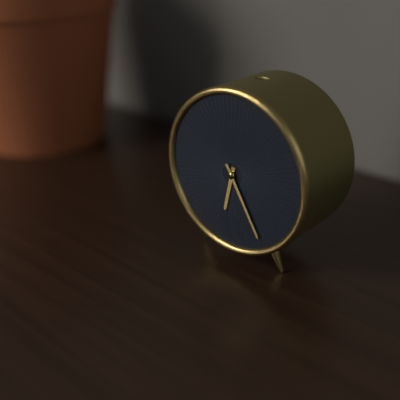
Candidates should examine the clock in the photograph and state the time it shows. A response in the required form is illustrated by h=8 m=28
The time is h=6 m=25
